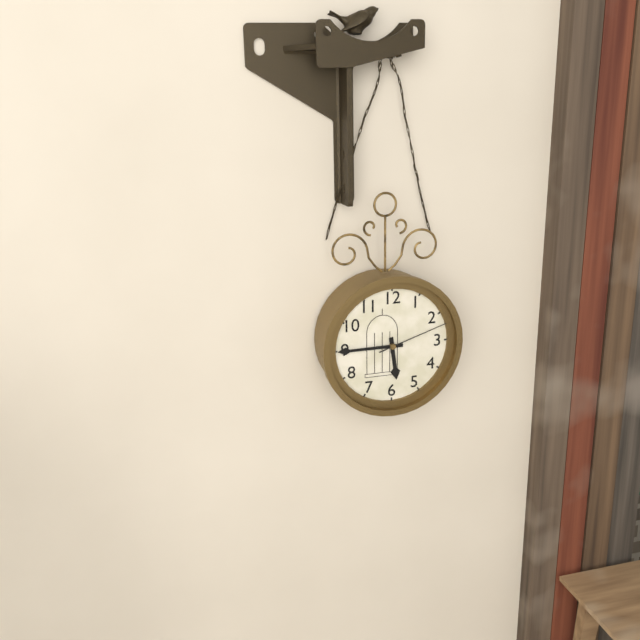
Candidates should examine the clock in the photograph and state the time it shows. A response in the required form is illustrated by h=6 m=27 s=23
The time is h=5 m=45 s=12
